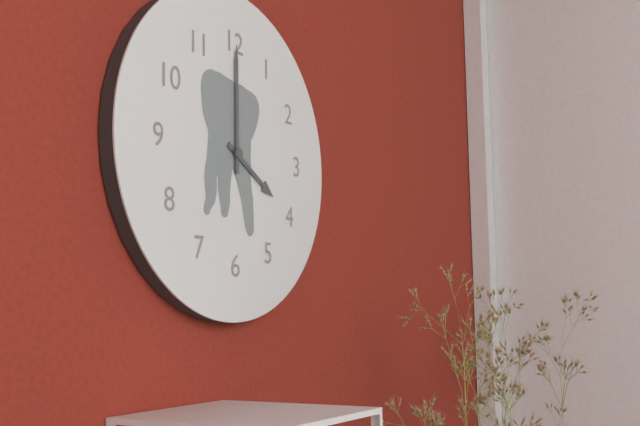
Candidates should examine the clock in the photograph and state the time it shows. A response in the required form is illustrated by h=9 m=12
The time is h=4 m=0
